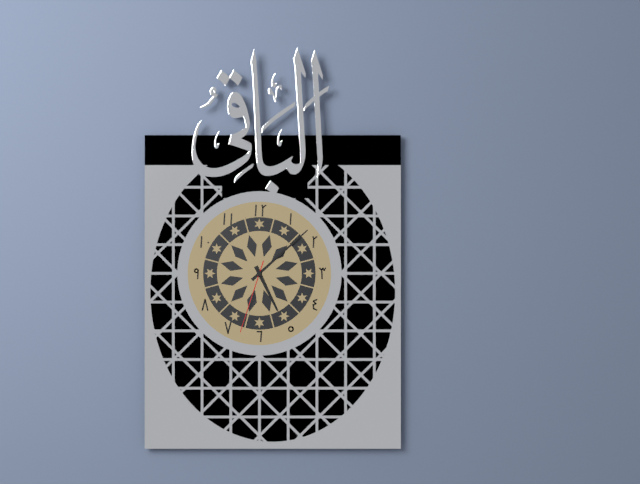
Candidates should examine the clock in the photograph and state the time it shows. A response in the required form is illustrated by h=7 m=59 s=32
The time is h=5 m=8 s=33
